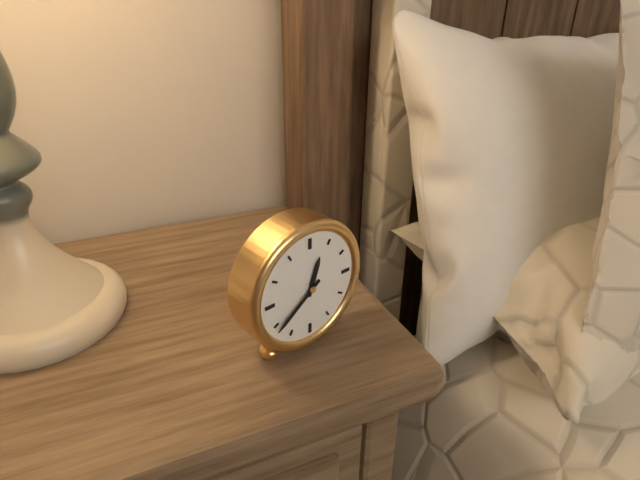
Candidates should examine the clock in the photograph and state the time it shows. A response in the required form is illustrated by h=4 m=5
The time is h=12 m=39
